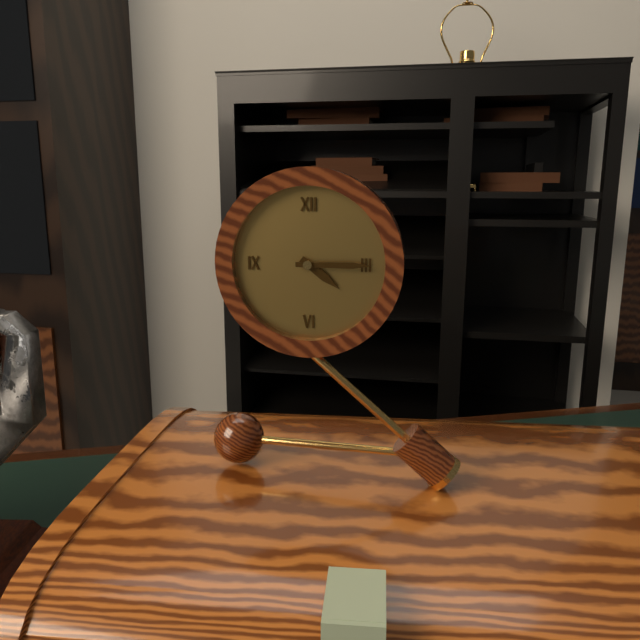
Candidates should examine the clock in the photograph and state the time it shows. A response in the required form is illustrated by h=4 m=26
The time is h=4 m=15
